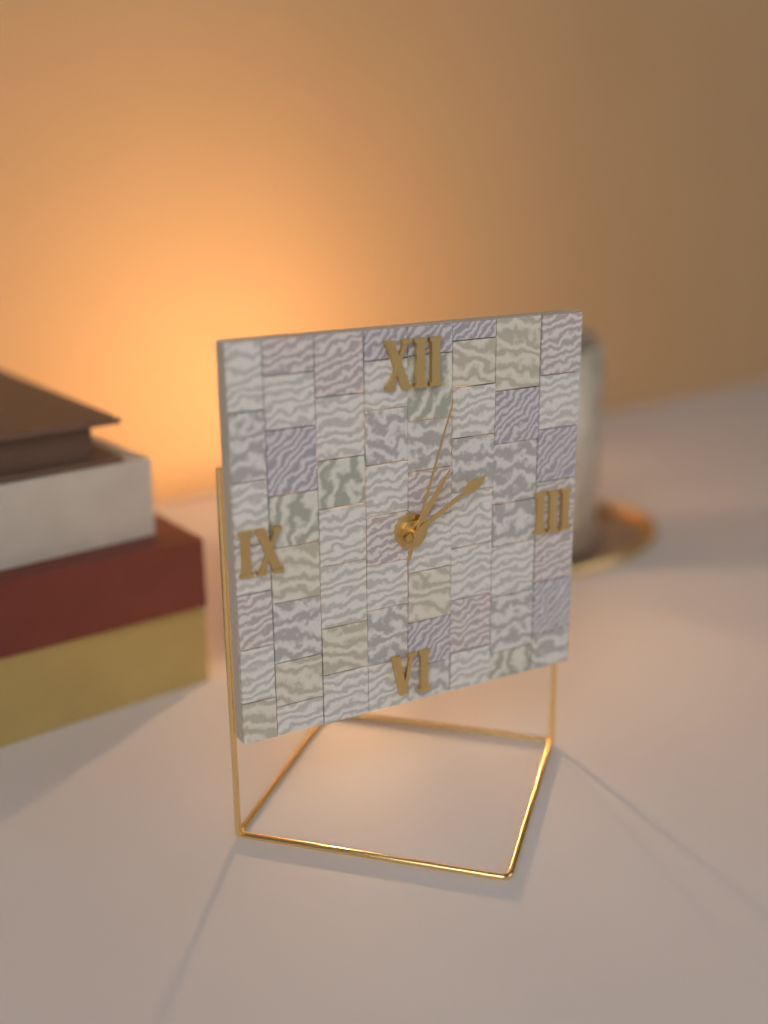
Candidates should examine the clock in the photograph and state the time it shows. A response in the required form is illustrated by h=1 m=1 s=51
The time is h=1 m=10 s=3
